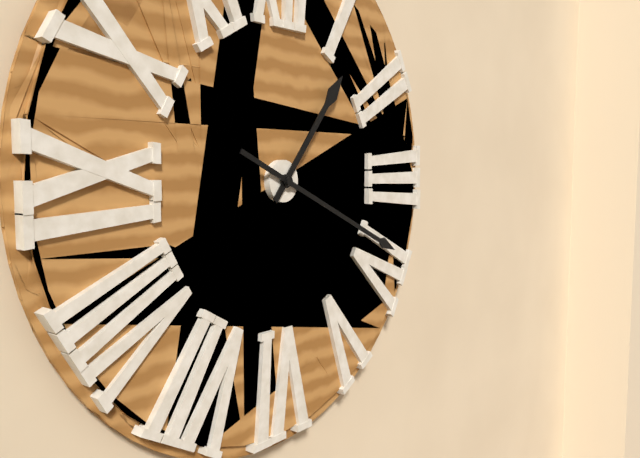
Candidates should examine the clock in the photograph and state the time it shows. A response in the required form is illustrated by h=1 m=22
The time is h=1 m=19
